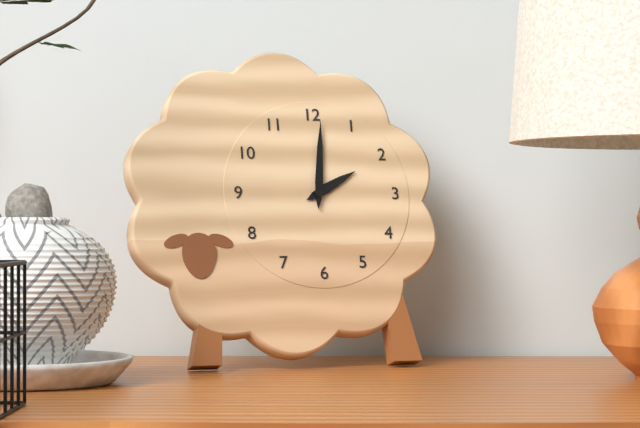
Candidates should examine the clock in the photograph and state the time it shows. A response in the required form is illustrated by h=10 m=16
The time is h=2 m=1
